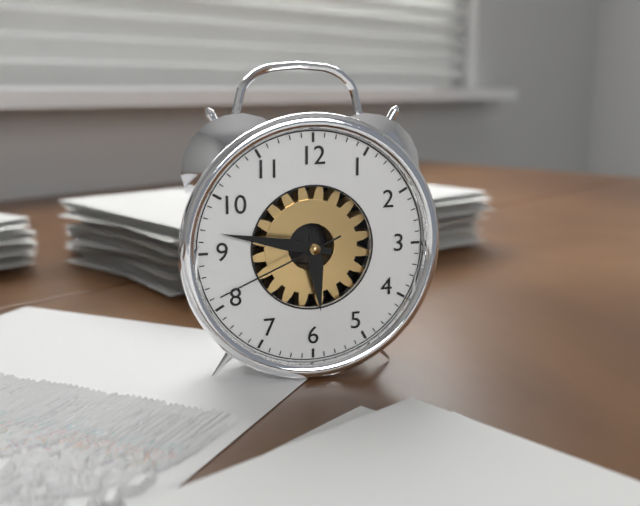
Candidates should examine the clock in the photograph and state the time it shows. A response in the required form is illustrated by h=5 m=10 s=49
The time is h=5 m=47 s=41
